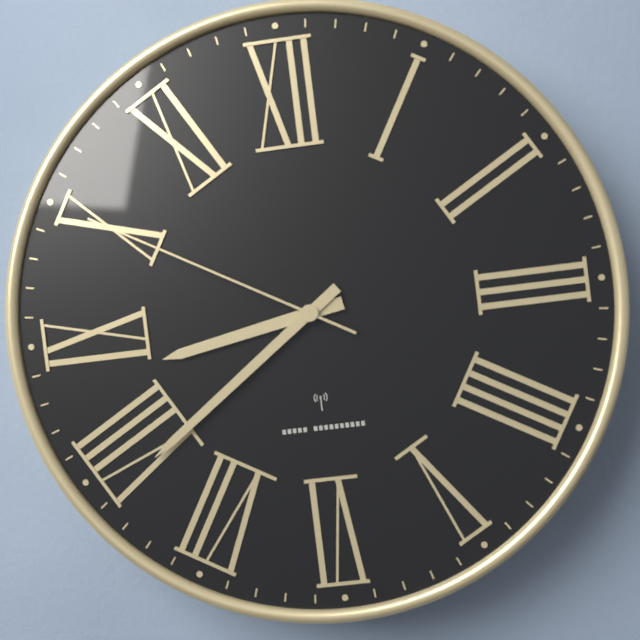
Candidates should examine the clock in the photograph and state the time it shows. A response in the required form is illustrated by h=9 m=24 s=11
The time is h=8 m=39 s=50
